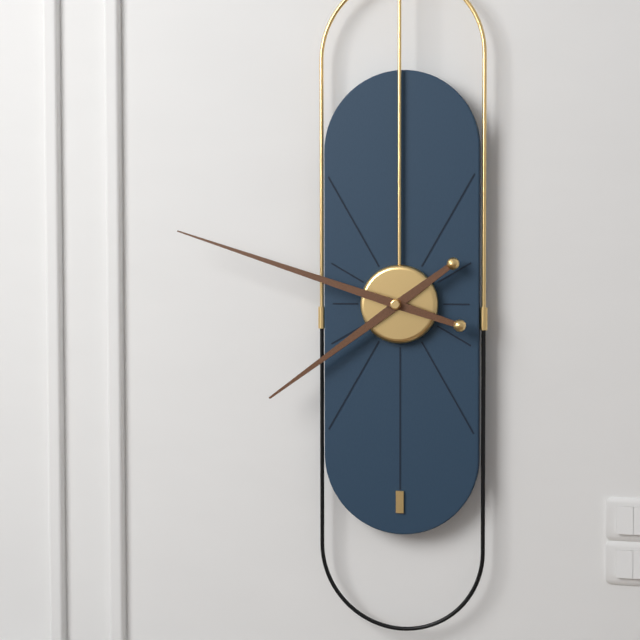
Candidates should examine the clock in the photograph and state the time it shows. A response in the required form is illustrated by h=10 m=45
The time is h=7 m=48
